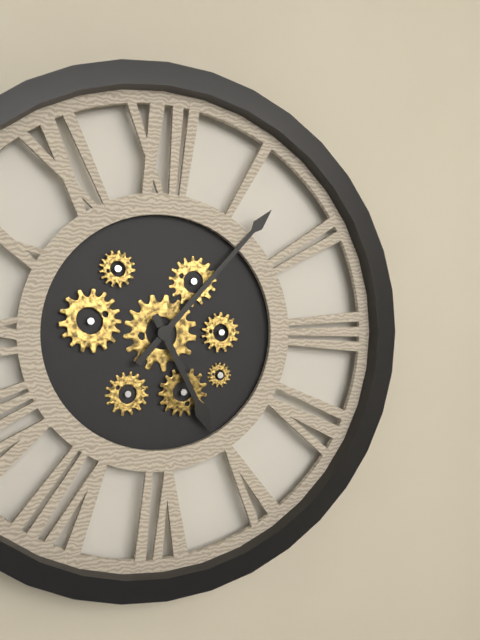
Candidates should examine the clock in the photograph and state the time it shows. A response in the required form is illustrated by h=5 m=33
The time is h=5 m=7
